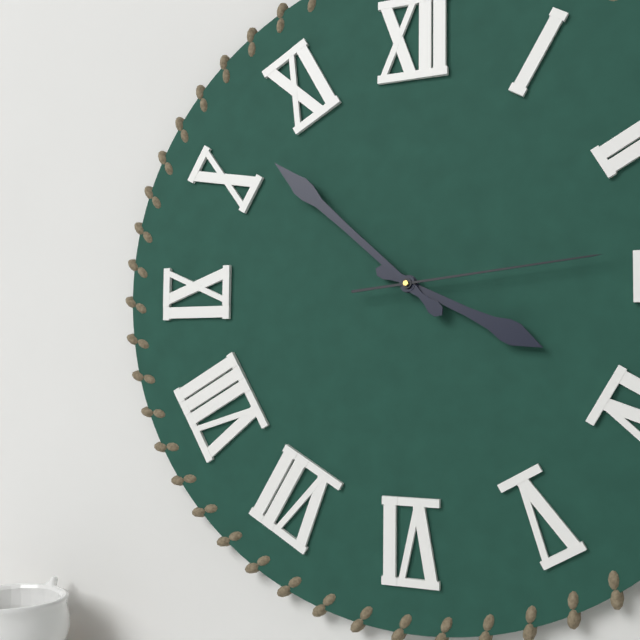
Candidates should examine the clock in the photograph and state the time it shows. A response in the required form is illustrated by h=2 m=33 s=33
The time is h=3 m=52 s=14
